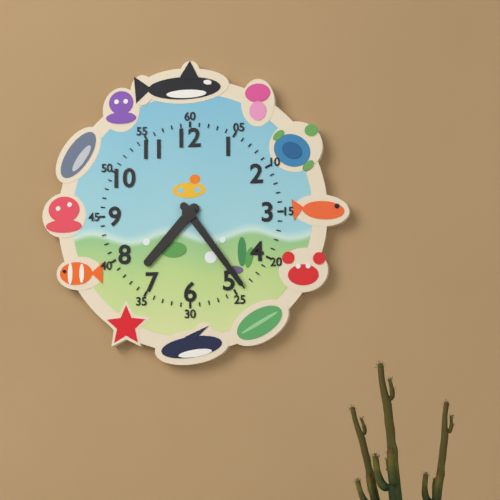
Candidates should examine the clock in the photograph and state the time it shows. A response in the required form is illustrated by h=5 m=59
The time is h=7 m=24
